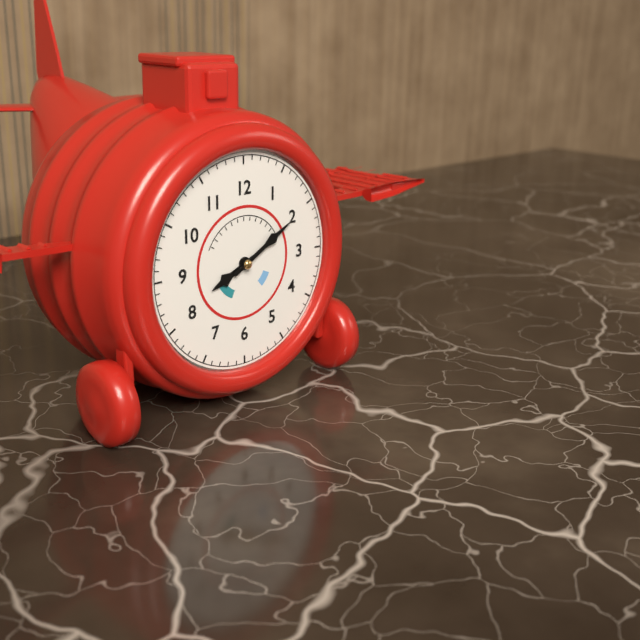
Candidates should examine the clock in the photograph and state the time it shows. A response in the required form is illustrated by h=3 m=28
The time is h=8 m=10
